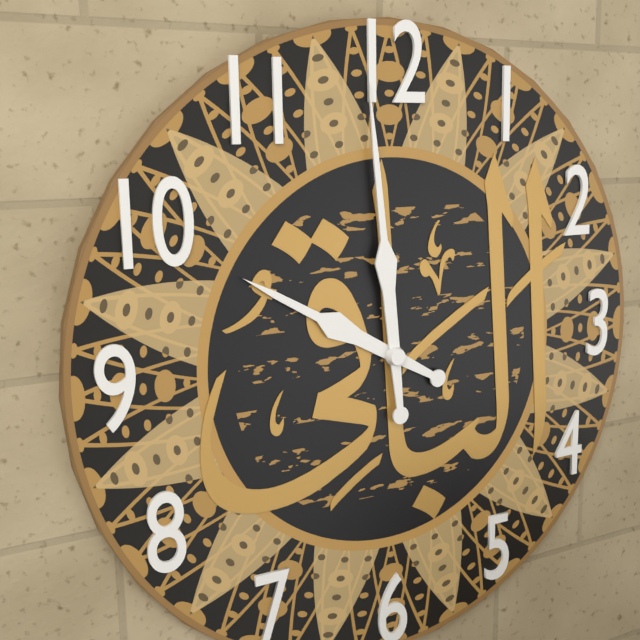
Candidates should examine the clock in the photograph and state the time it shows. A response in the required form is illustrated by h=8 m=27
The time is h=9 m=59
